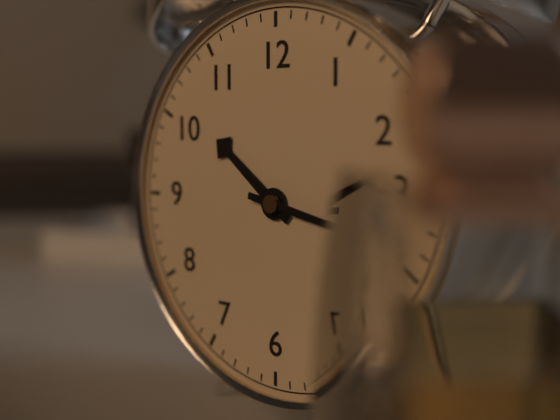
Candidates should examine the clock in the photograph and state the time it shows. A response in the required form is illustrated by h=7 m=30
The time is h=10 m=17
